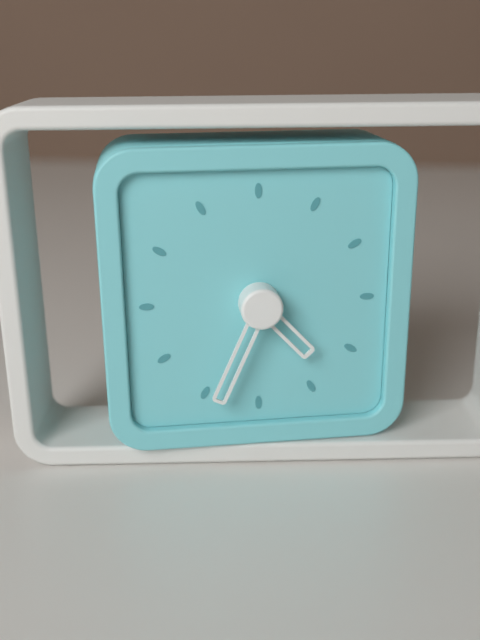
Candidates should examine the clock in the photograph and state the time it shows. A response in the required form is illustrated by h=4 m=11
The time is h=4 m=34
